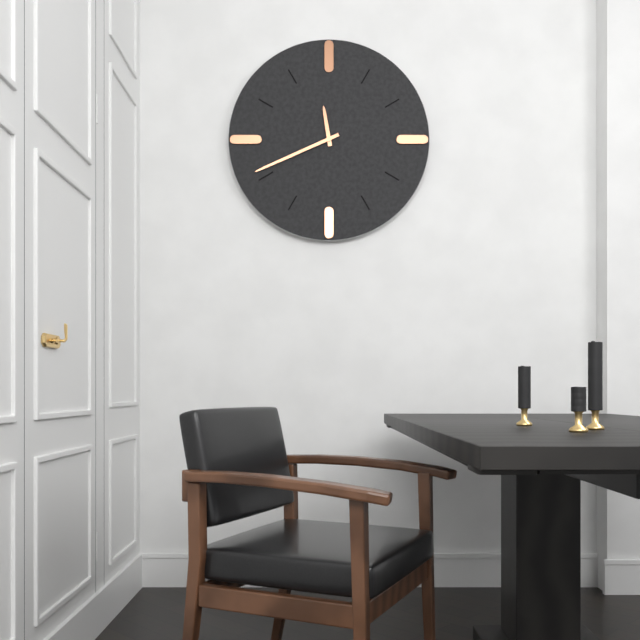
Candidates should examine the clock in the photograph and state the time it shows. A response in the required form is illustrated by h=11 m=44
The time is h=11 m=41
